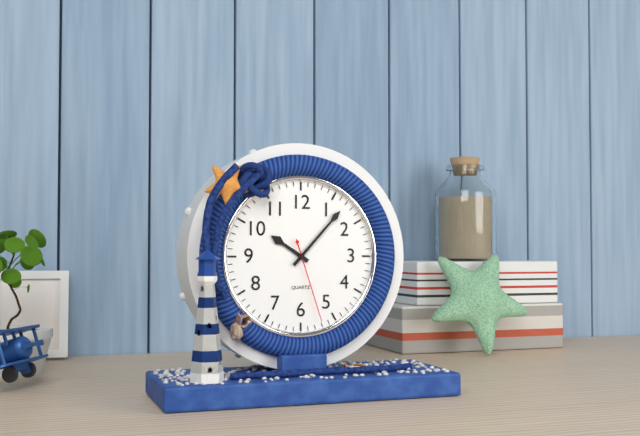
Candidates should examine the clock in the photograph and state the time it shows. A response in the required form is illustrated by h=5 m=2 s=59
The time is h=10 m=7 s=27
